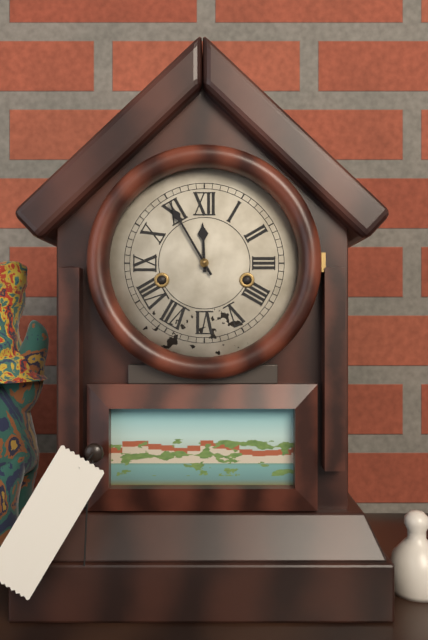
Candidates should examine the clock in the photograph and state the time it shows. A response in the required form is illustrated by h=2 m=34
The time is h=11 m=55
